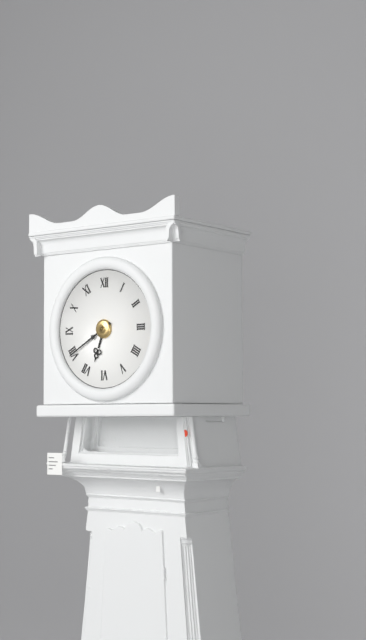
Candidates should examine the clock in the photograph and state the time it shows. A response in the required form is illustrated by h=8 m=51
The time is h=6 m=40
